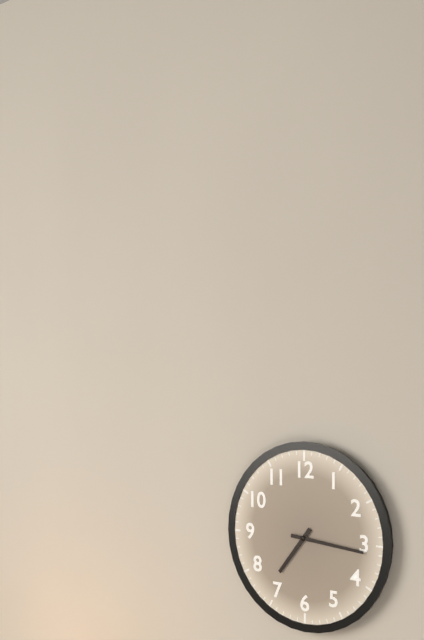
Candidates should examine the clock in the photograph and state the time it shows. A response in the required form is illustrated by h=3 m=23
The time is h=7 m=16
